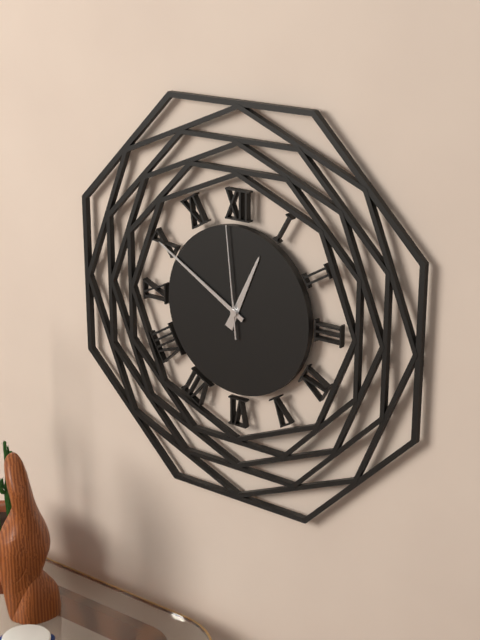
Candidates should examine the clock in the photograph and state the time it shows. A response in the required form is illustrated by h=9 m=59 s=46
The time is h=12 m=50 s=59
